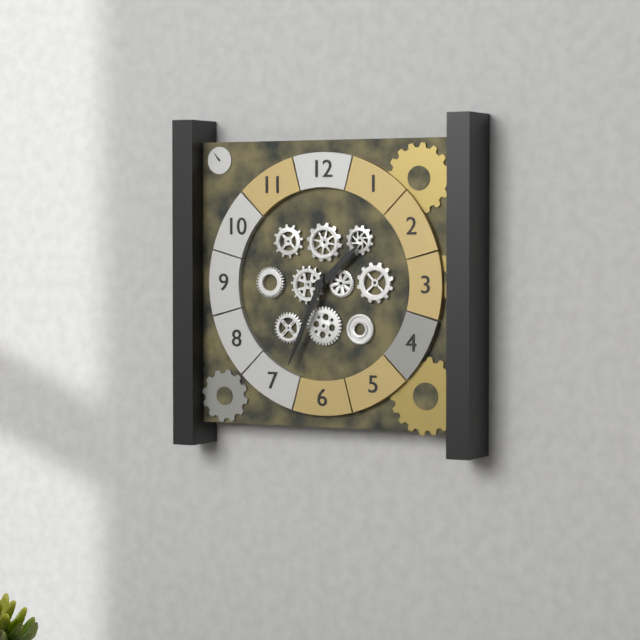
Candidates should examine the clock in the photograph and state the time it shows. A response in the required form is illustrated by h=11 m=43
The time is h=1 m=34
